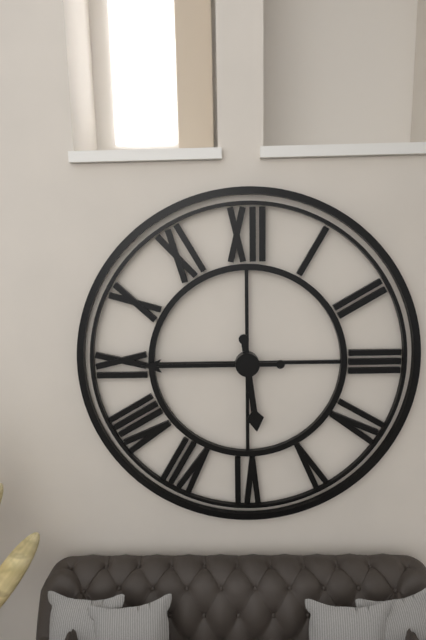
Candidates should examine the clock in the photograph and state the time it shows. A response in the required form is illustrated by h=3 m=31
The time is h=5 m=45
